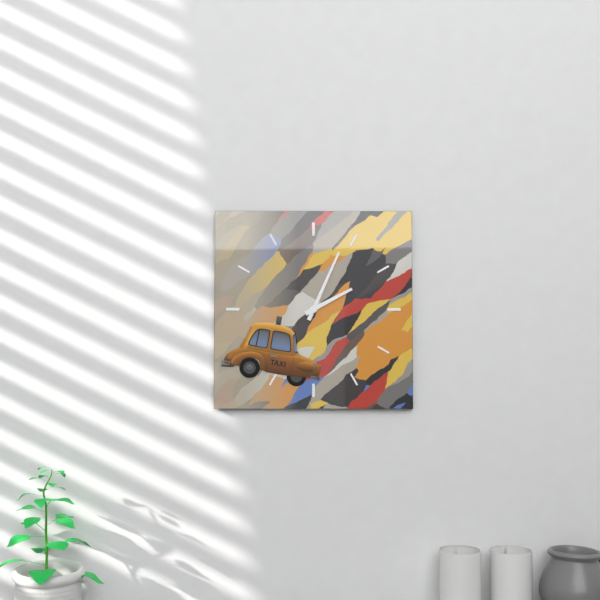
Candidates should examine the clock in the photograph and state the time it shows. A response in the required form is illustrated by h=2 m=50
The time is h=2 m=4
